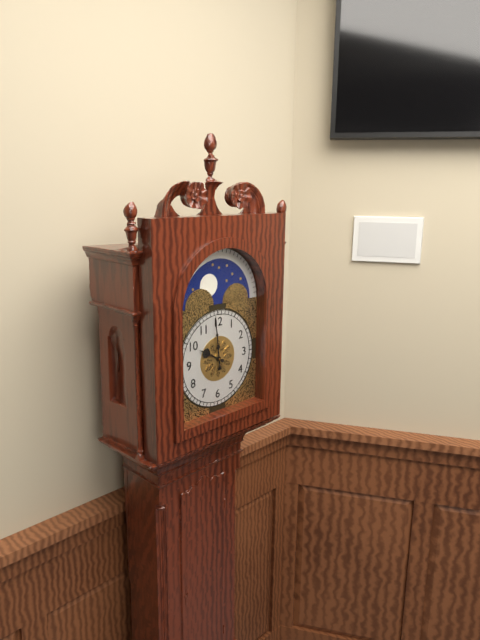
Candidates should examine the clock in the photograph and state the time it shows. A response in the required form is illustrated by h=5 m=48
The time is h=9 m=59
